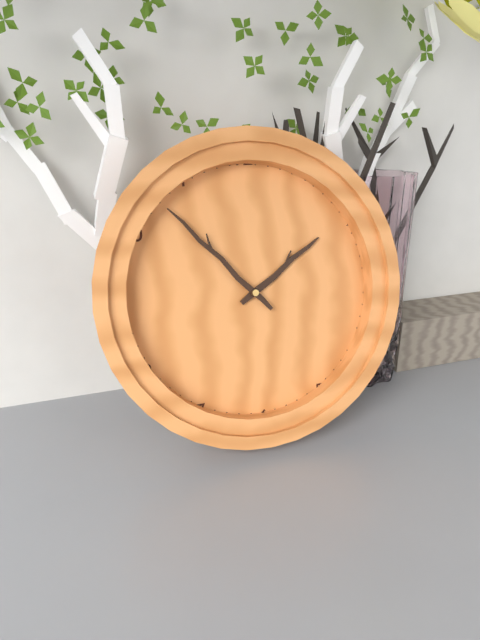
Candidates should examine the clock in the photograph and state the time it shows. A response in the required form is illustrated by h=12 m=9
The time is h=1 m=53
